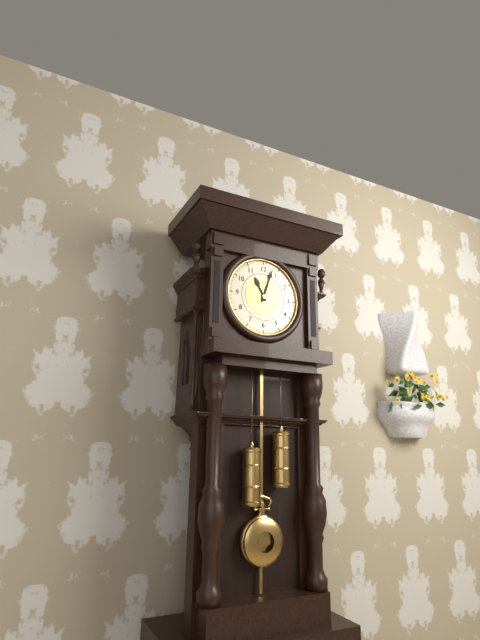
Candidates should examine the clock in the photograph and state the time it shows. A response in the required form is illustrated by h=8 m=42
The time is h=11 m=3
